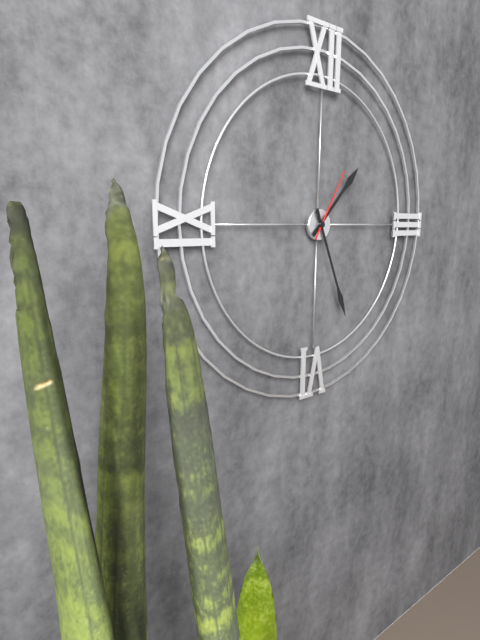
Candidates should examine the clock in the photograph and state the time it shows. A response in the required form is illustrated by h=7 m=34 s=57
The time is h=1 m=26 s=5
